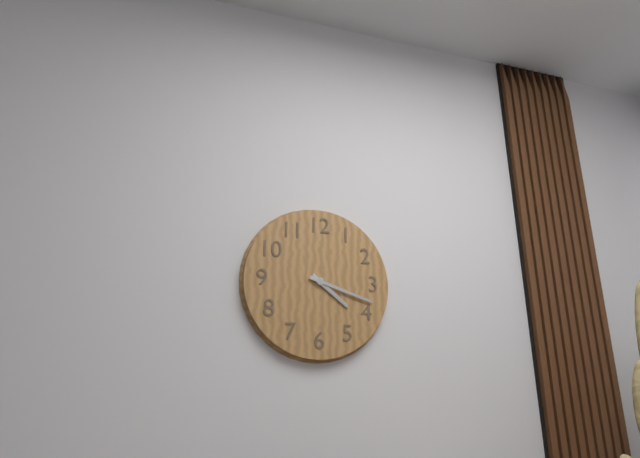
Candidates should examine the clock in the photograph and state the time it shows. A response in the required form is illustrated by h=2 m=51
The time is h=4 m=18
